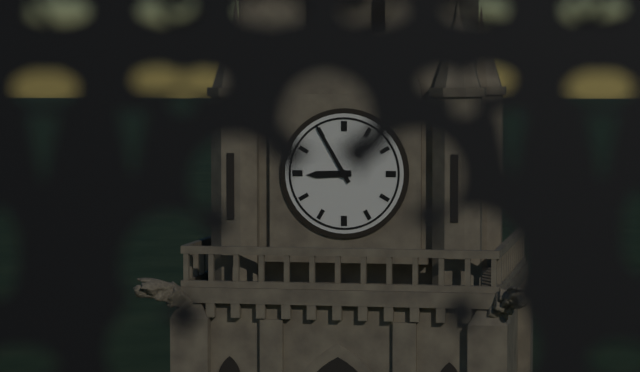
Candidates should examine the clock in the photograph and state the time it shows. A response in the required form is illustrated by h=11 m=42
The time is h=8 m=55
